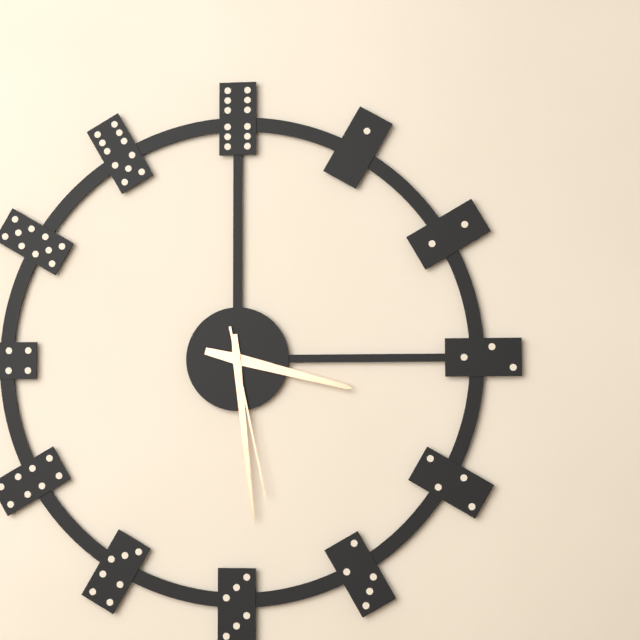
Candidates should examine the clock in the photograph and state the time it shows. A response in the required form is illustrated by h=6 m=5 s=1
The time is h=3 m=29 s=28
